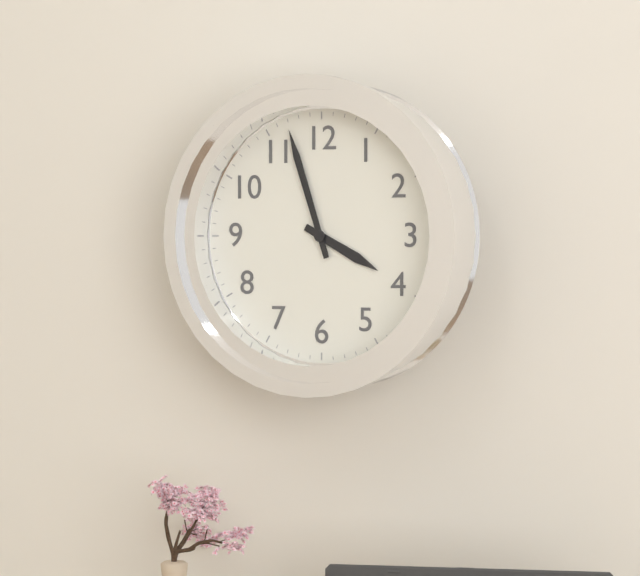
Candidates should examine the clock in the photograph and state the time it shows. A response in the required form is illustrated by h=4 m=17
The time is h=3 m=57
